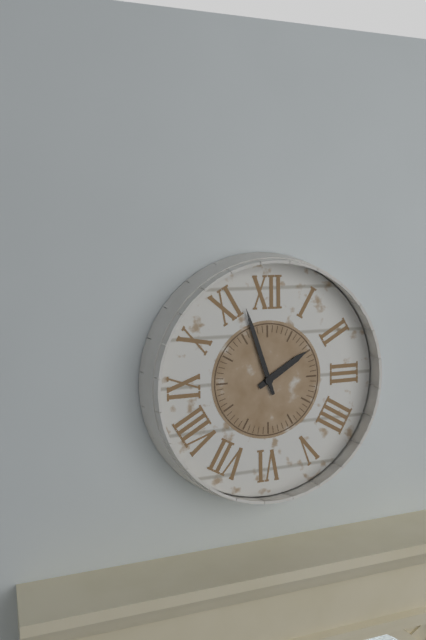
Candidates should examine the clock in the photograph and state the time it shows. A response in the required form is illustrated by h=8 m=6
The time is h=1 m=57
